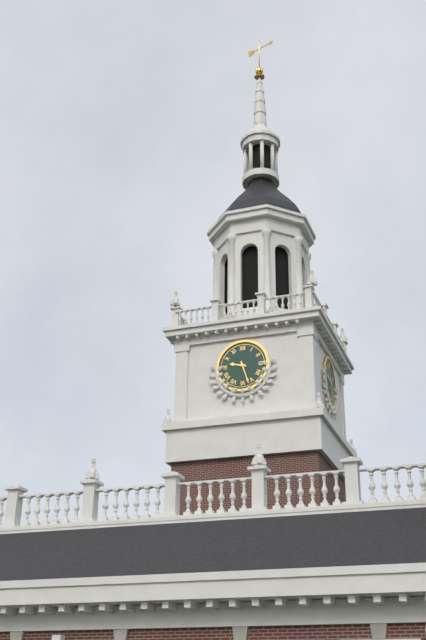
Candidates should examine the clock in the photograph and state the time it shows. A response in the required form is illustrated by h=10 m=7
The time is h=9 m=27
